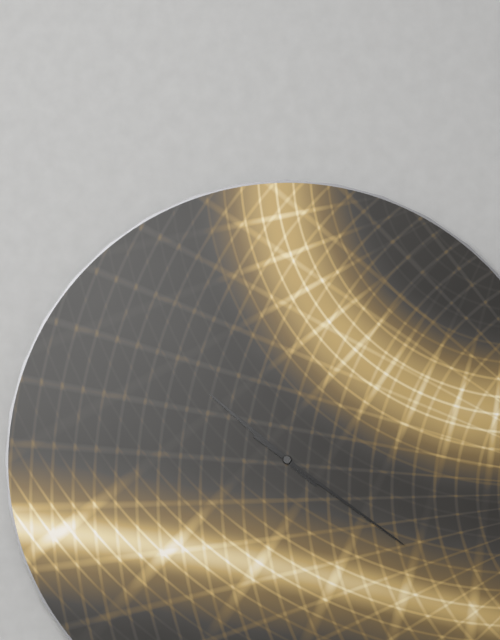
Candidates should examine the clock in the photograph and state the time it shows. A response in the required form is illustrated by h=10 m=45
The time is h=10 m=21
